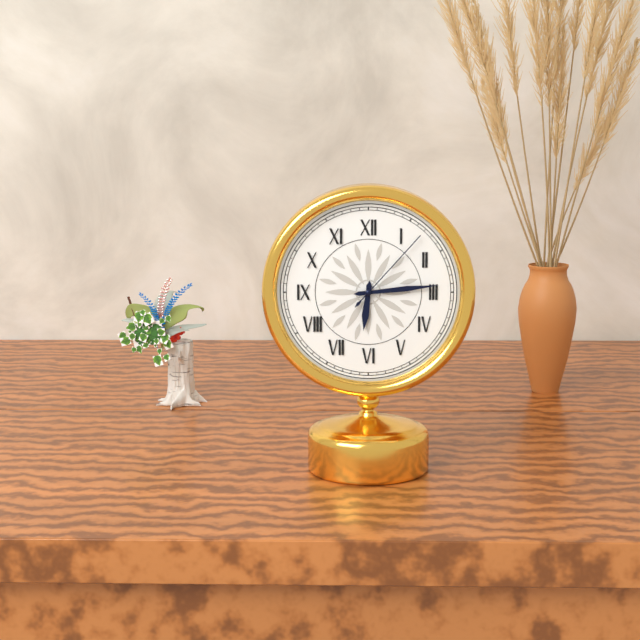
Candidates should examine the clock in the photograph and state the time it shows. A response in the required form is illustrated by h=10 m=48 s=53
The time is h=6 m=14 s=7
